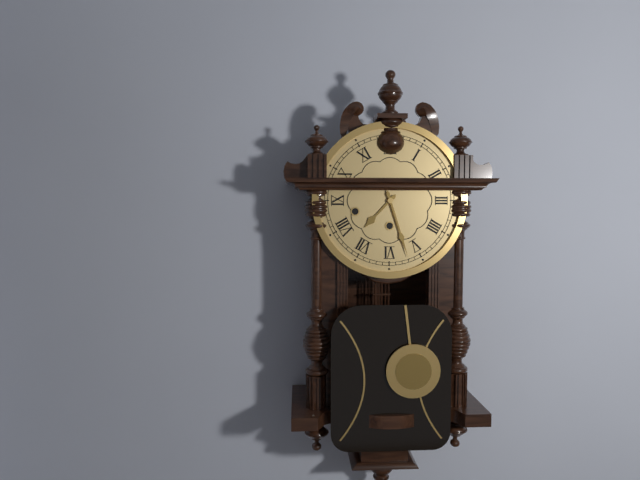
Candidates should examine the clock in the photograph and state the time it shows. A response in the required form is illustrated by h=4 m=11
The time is h=7 m=27
